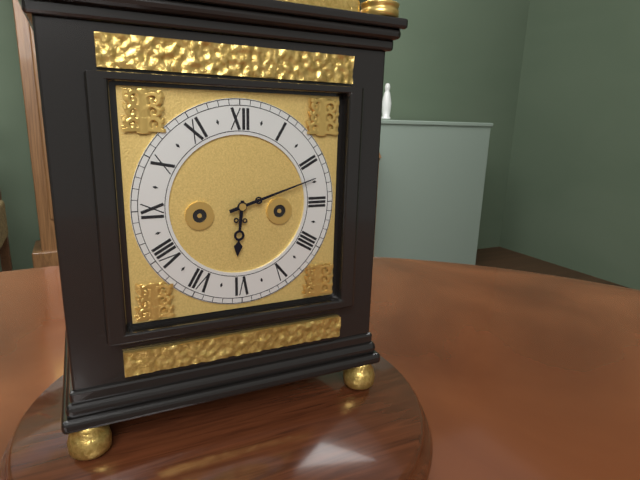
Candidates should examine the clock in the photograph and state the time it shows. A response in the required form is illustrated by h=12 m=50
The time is h=6 m=12
